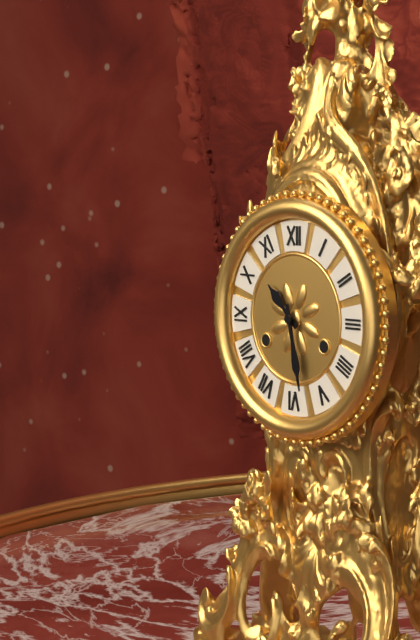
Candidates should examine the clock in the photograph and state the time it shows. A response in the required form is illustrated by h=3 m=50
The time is h=10 m=28
